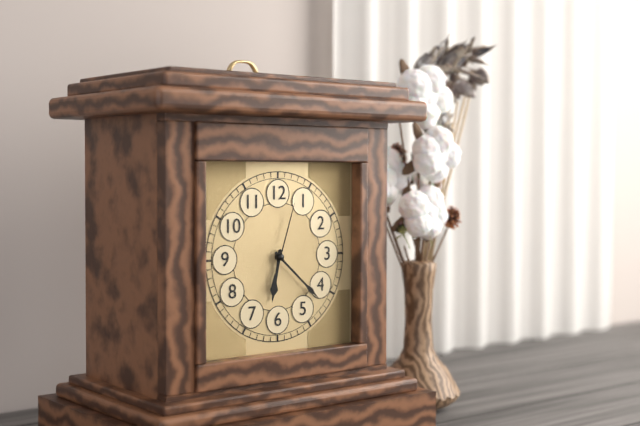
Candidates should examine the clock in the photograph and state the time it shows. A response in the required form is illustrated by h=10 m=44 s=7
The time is h=6 m=22 s=3
